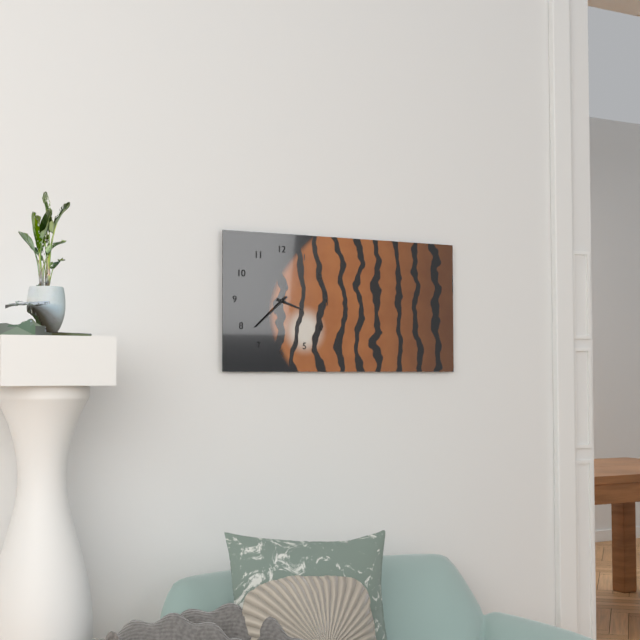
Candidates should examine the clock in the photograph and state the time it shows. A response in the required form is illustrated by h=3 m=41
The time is h=3 m=38
